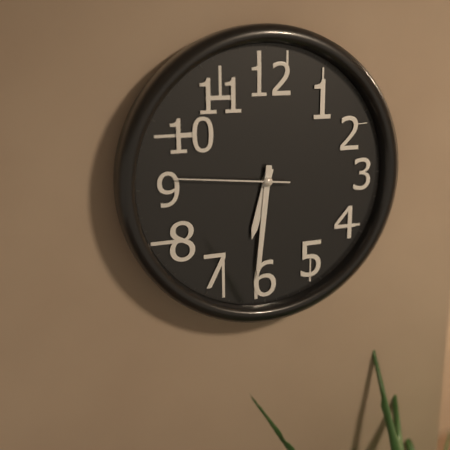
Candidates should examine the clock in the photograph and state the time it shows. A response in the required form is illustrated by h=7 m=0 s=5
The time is h=6 m=31 s=46
